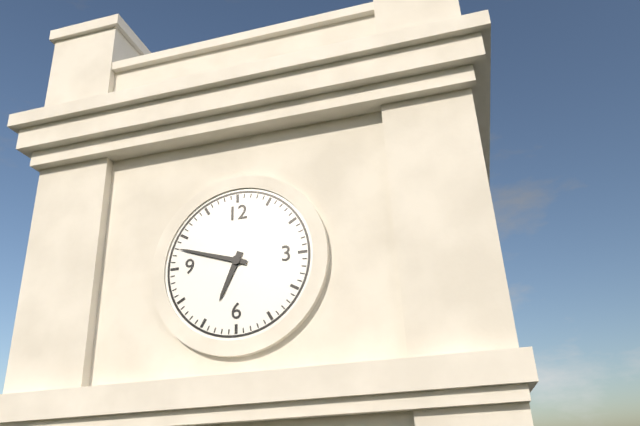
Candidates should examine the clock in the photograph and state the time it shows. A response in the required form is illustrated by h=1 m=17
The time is h=6 m=48
